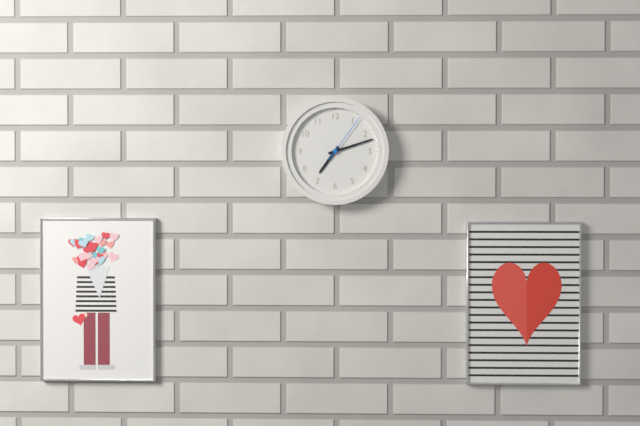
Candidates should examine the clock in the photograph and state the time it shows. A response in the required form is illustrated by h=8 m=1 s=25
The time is h=7 m=12 s=6
